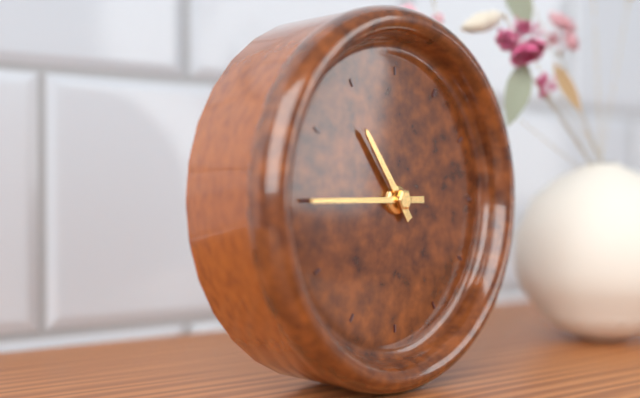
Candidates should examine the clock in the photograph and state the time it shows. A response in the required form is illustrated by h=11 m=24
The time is h=10 m=45
